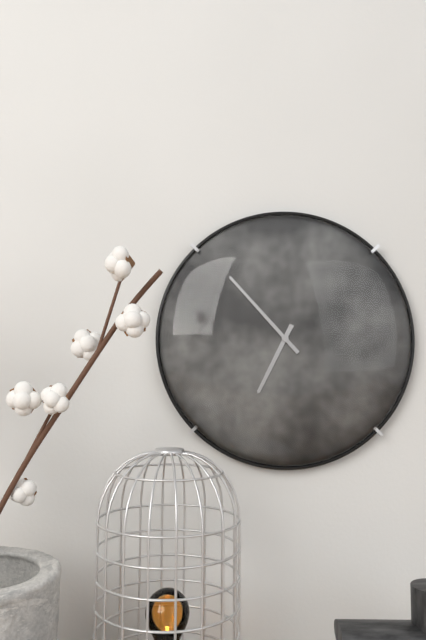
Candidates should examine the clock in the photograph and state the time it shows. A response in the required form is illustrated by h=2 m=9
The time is h=6 m=53
